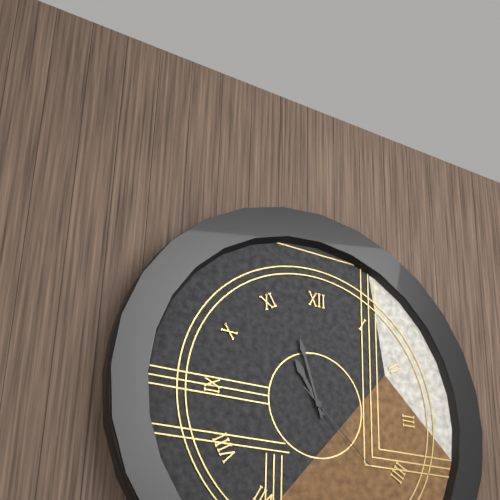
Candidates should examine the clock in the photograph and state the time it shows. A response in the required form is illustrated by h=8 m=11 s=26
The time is h=10 m=57 s=22
